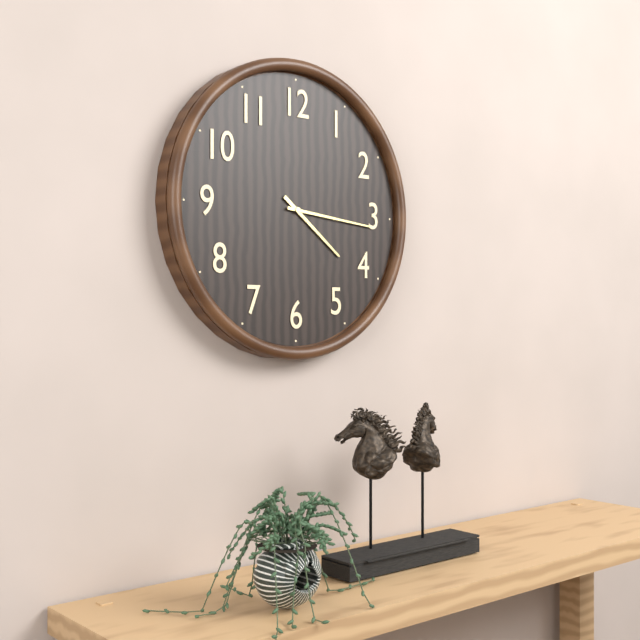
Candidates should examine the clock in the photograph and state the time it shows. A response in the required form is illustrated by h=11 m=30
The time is h=4 m=16
